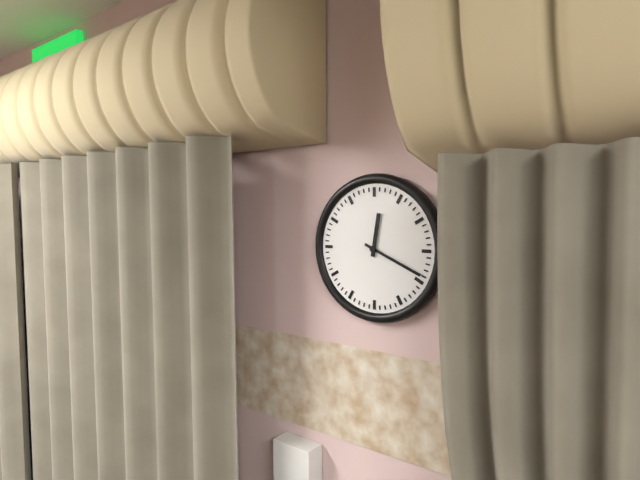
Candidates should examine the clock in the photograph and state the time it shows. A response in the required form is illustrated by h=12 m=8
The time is h=12 m=19
